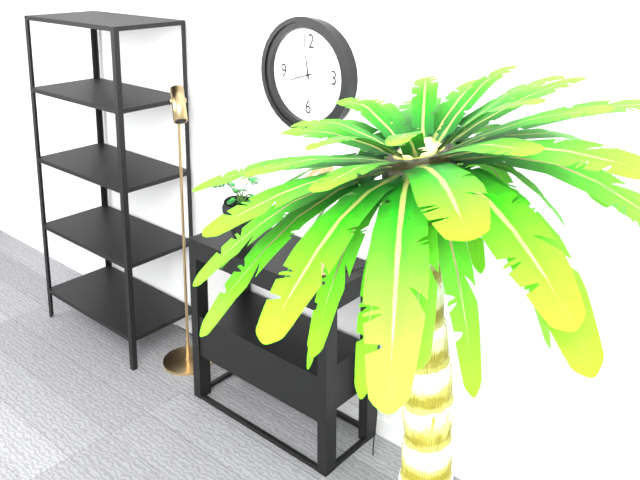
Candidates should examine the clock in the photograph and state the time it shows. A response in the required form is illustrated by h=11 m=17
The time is h=11 m=42
